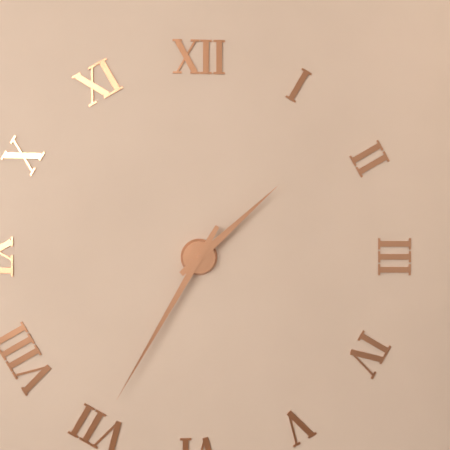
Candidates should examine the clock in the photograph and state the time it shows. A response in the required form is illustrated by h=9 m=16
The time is h=1 m=35
